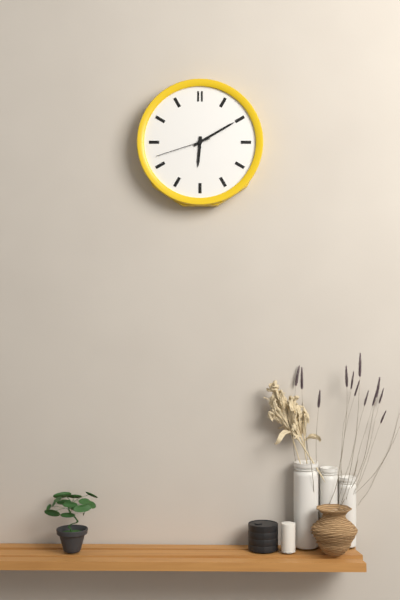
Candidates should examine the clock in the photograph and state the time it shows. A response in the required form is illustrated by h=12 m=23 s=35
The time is h=6 m=10 s=42
